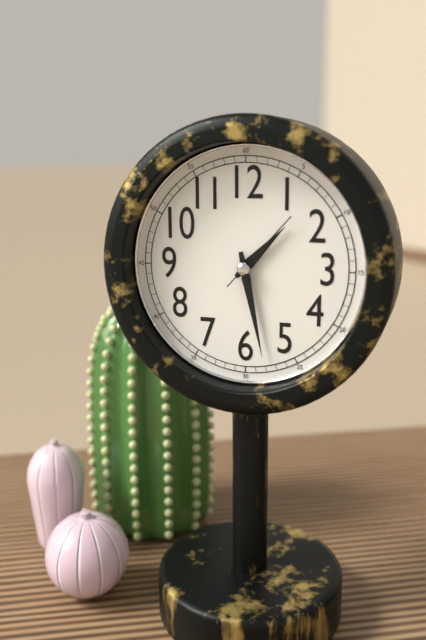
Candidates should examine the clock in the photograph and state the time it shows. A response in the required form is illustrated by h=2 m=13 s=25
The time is h=1 m=28 s=7
